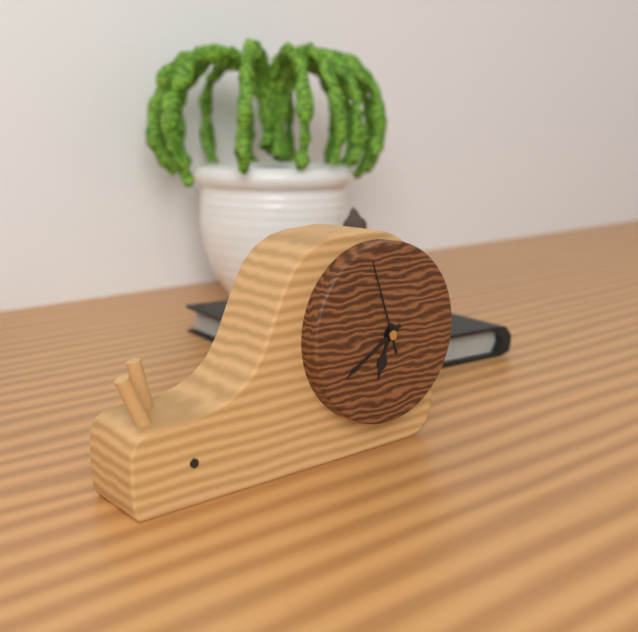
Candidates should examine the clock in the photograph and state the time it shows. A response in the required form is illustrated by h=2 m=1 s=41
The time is h=6 m=40 s=57
